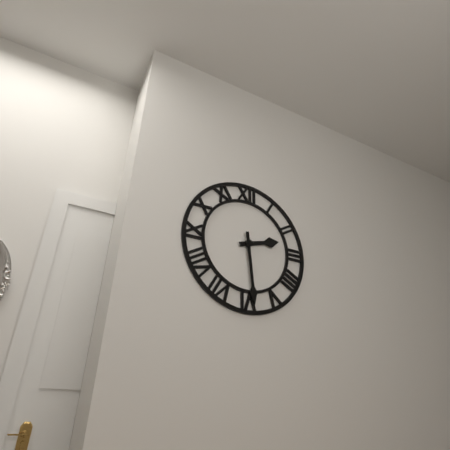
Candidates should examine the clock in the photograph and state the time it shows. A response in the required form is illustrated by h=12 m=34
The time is h=2 m=29
